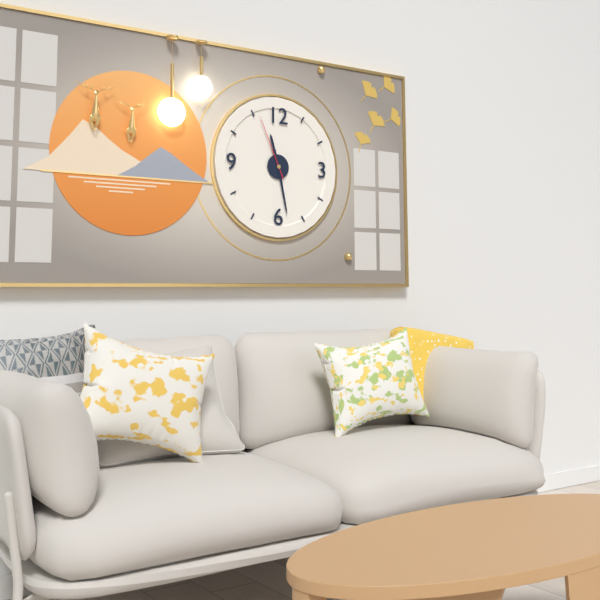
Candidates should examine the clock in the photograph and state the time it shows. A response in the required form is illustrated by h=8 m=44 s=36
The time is h=11 m=28 s=56
